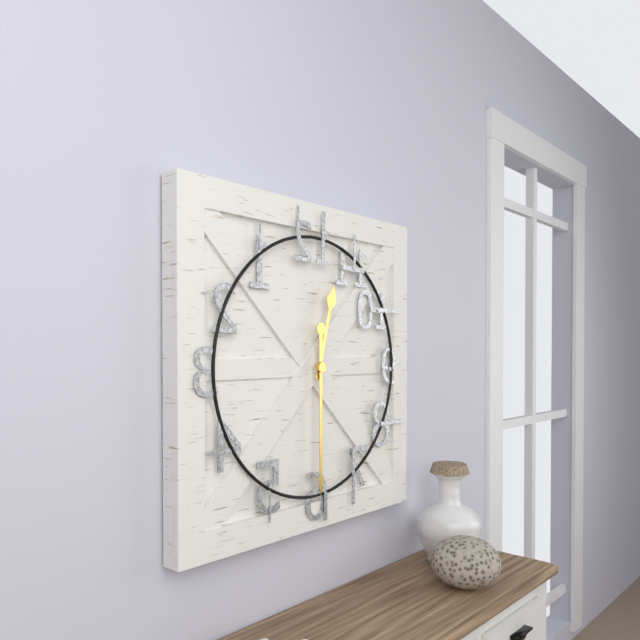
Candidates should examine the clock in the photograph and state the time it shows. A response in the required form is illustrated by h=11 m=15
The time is h=12 m=30
